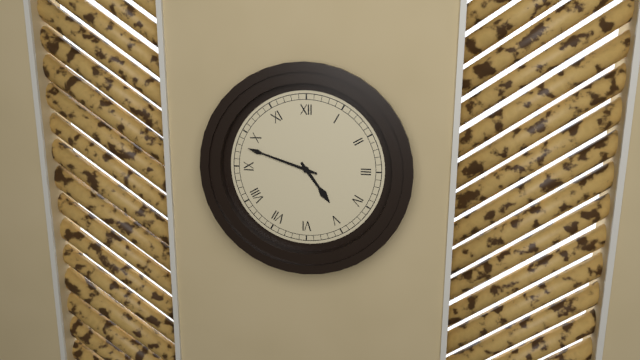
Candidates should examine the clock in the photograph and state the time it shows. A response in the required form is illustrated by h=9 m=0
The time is h=4 m=48
